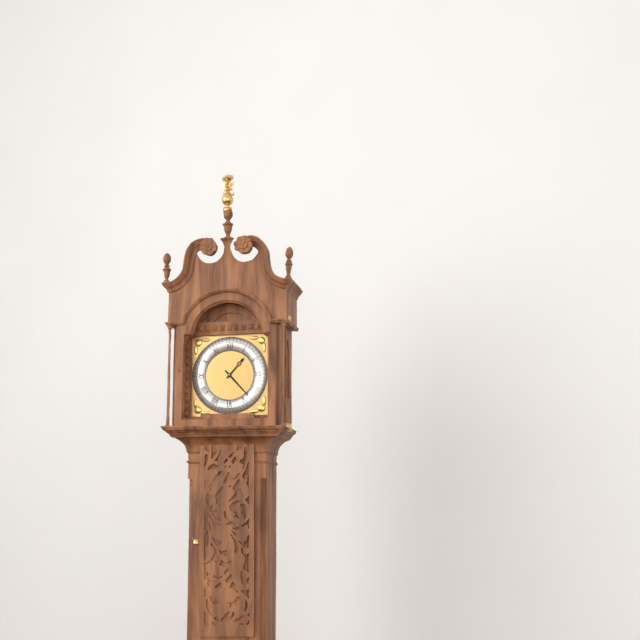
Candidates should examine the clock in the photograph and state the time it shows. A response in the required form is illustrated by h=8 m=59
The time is h=1 m=23
